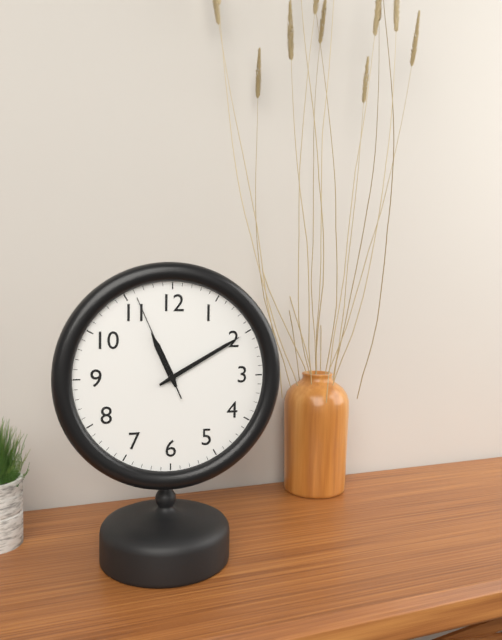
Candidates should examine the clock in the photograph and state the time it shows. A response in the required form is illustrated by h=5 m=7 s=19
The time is h=11 m=10 s=56
